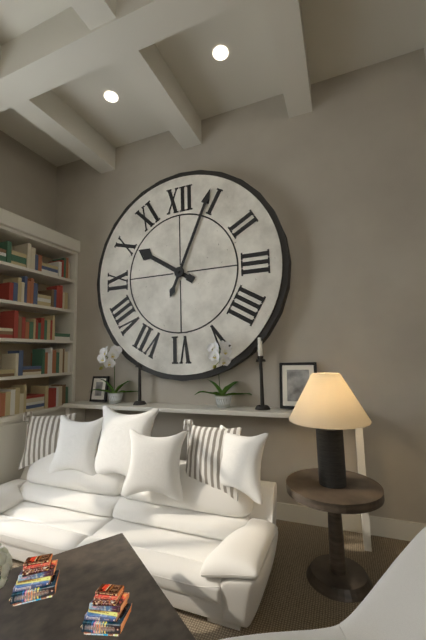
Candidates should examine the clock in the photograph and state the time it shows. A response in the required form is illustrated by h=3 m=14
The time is h=10 m=4
